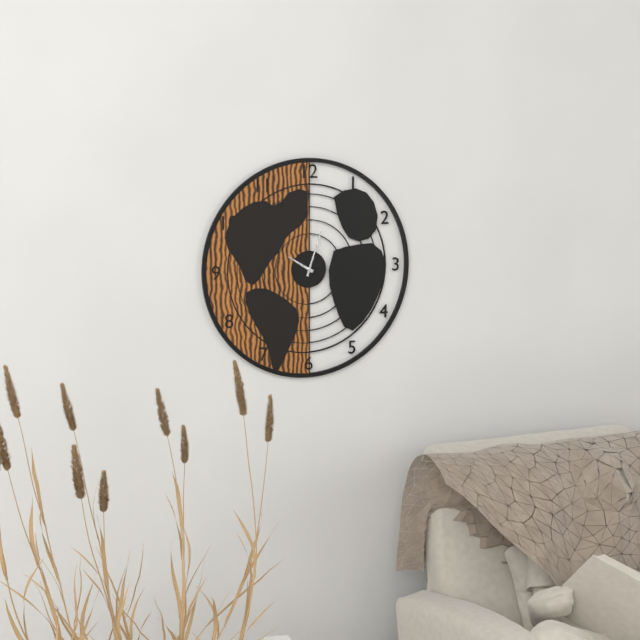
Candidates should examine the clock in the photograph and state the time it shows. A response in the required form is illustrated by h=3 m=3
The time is h=10 m=3
